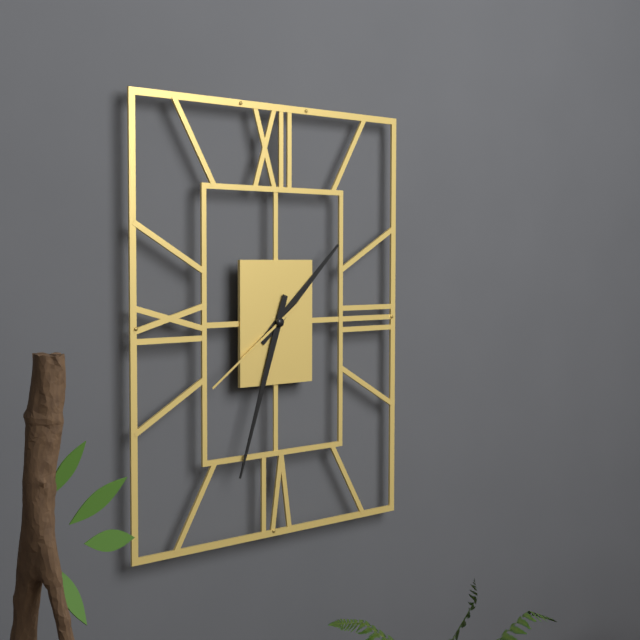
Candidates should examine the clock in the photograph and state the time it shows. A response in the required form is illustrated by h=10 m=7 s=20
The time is h=1 m=33 s=39
